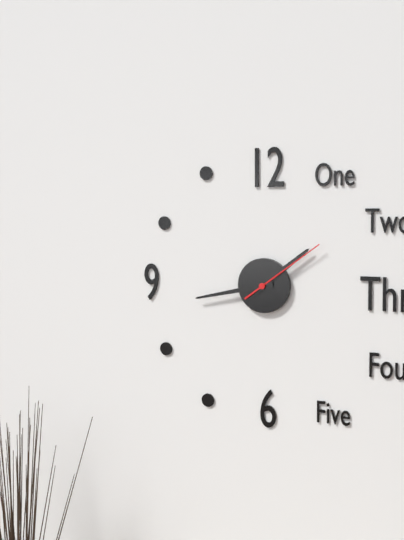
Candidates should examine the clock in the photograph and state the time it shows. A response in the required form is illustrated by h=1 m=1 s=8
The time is h=1 m=43 s=9
